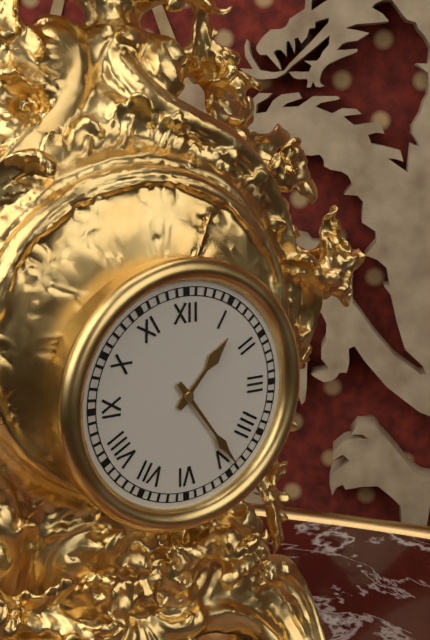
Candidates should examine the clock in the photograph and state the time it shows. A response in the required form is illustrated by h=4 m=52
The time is h=1 m=24
